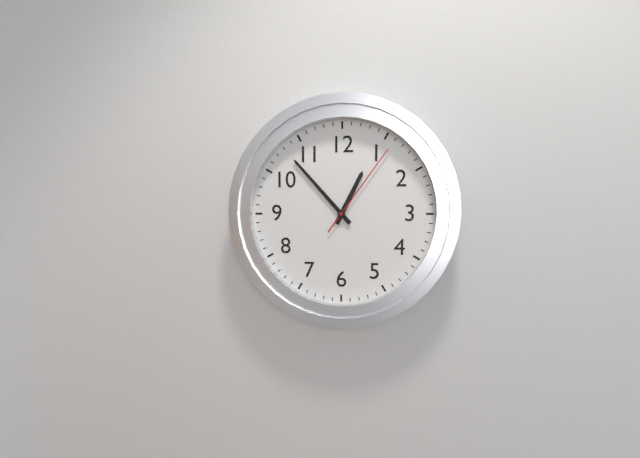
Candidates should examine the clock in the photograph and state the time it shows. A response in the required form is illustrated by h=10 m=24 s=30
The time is h=12 m=53 s=6
